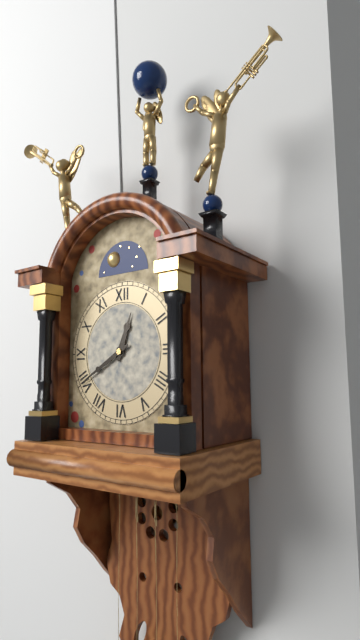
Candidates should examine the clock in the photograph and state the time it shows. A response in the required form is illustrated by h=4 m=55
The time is h=12 m=40
